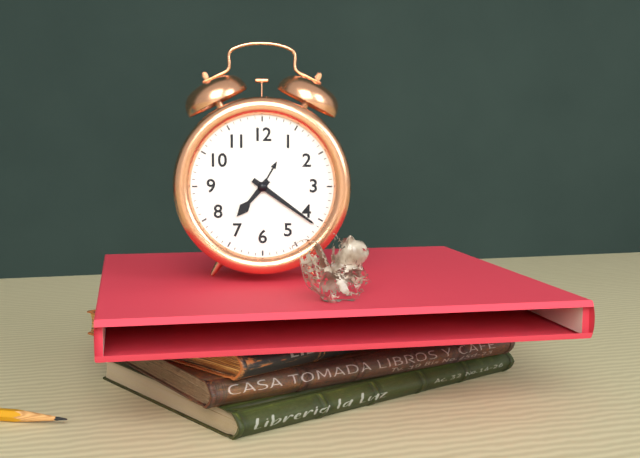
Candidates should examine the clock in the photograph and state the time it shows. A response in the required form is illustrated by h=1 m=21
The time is h=7 m=21
